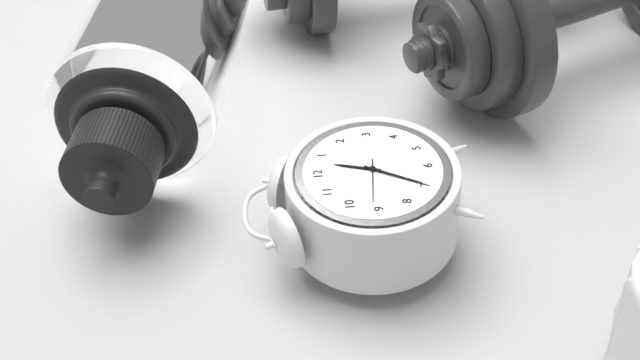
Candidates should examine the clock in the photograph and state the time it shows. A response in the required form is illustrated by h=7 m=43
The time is h=12 m=35
